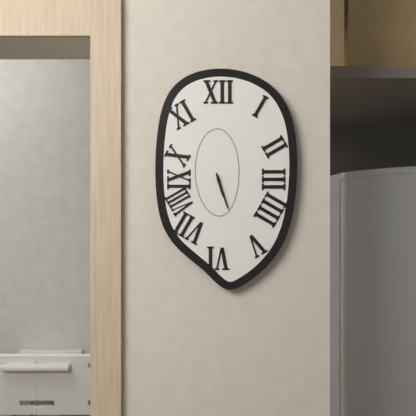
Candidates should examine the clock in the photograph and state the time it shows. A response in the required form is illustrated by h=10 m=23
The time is h=5 m=27
